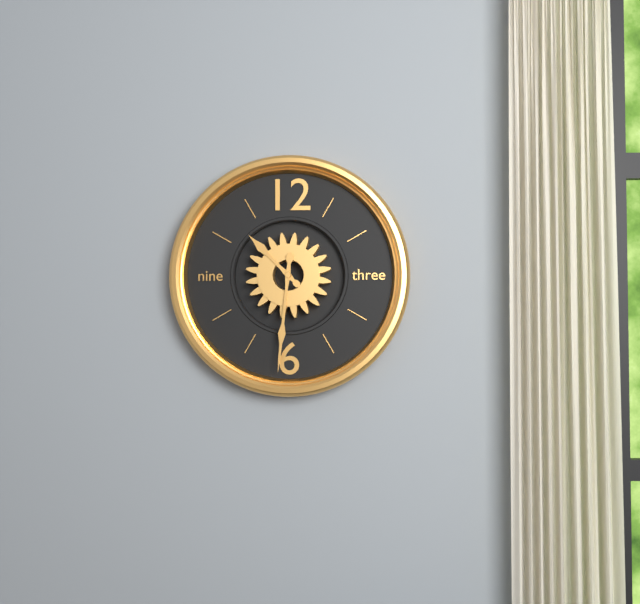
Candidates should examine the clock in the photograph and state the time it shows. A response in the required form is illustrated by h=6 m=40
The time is h=10 m=31
